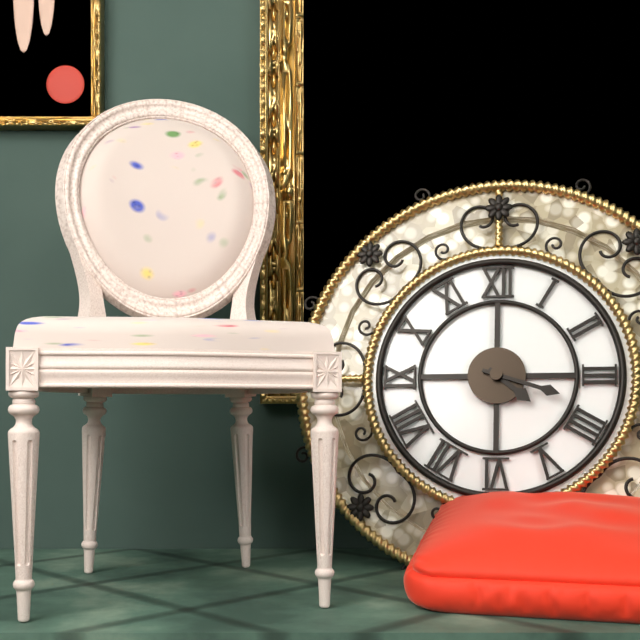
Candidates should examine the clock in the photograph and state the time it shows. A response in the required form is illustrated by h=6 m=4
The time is h=4 m=18
